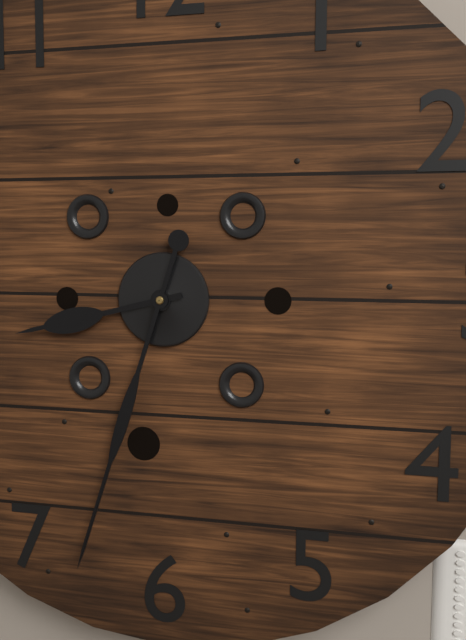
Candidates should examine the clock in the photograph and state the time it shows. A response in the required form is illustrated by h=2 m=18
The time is h=8 m=33
